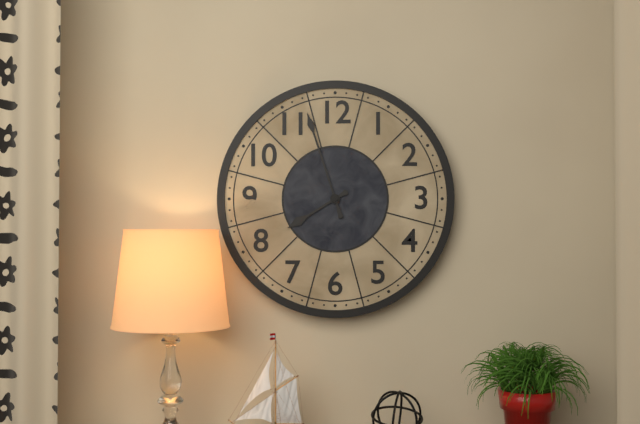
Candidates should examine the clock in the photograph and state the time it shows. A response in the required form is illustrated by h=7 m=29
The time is h=7 m=57
